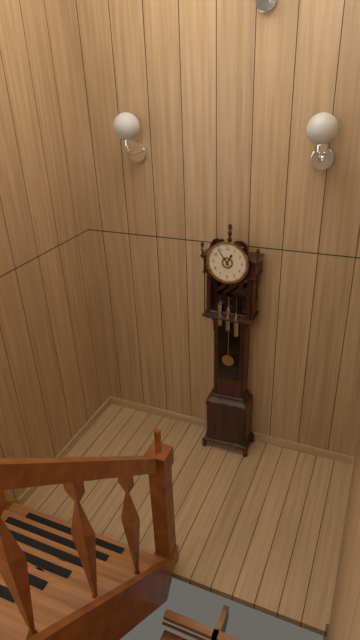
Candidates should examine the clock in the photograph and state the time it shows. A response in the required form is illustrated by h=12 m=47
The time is h=12 m=54
